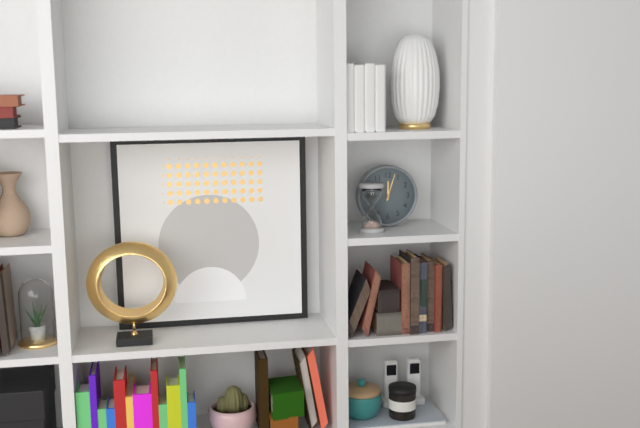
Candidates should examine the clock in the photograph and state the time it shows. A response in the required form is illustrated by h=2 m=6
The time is h=12 m=3
